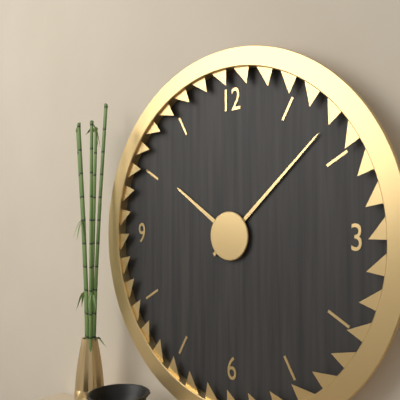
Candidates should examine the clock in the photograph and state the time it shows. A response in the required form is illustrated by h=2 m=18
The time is h=10 m=8
